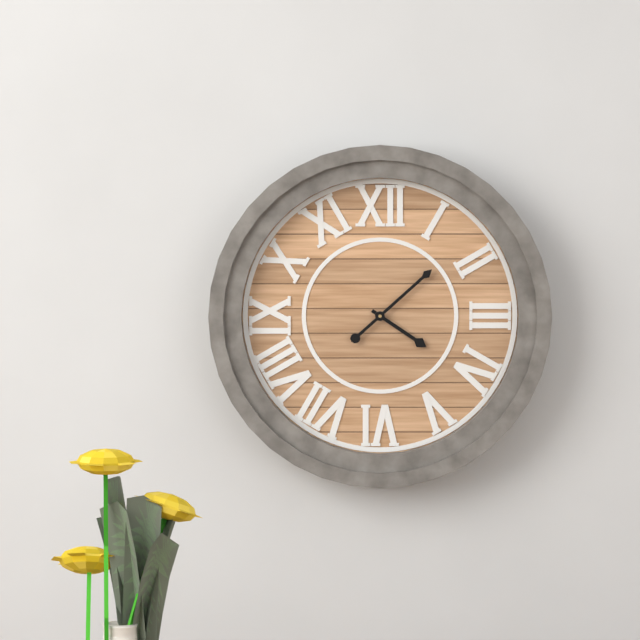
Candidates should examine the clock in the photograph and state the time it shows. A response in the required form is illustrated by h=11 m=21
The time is h=4 m=8
